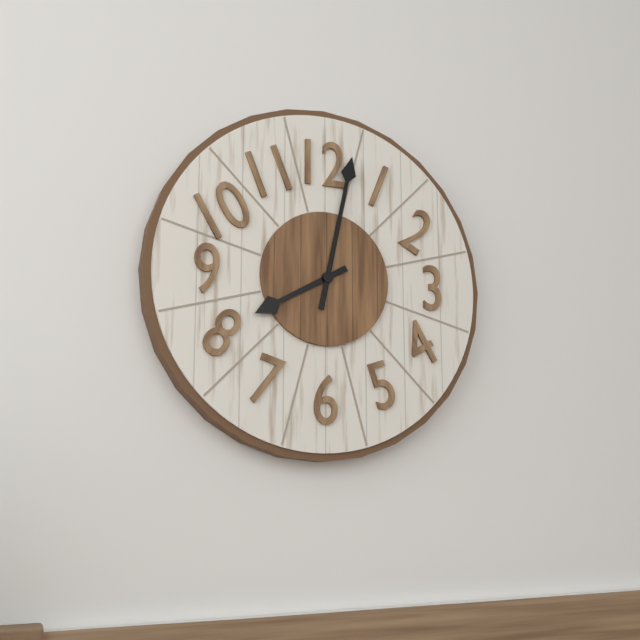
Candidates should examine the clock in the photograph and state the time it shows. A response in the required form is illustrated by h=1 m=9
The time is h=8 m=2
